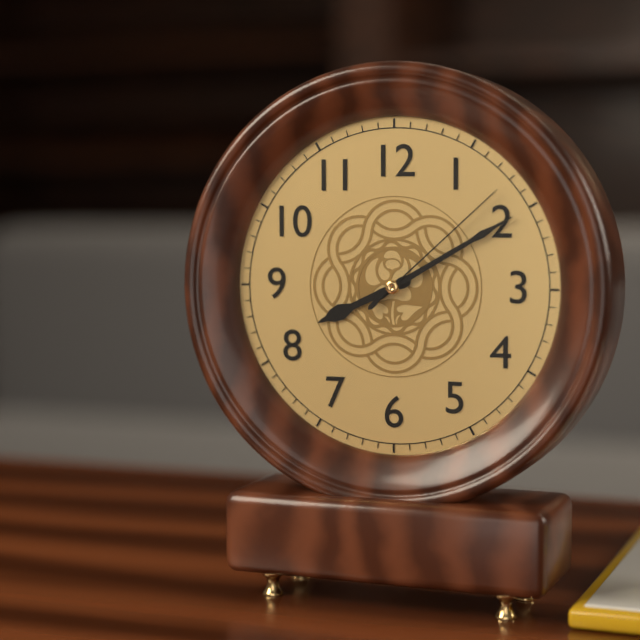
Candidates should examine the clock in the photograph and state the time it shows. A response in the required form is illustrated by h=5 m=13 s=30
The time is h=8 m=10 s=8
